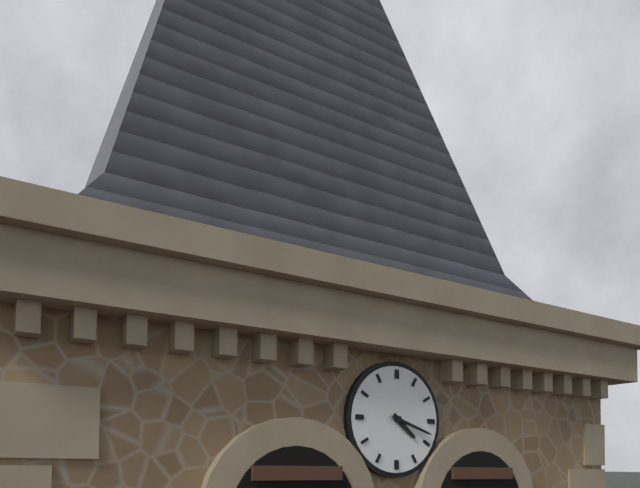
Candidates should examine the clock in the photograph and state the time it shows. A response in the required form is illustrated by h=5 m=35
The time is h=4 m=18
